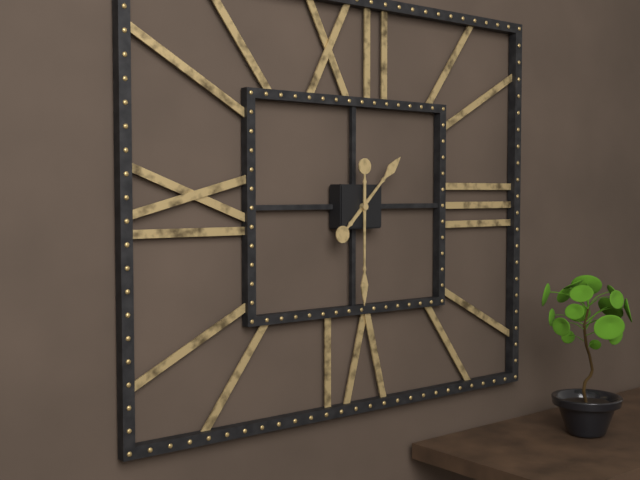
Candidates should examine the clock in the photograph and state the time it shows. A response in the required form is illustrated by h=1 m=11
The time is h=1 m=30
